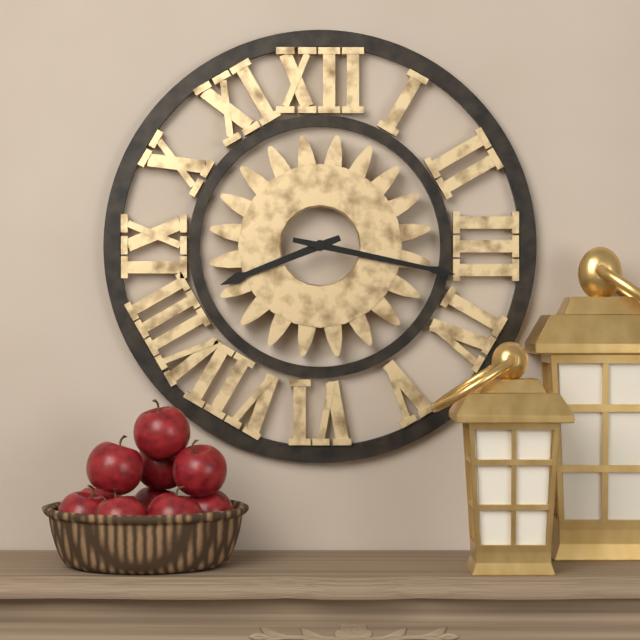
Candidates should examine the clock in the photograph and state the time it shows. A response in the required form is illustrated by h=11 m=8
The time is h=8 m=17
